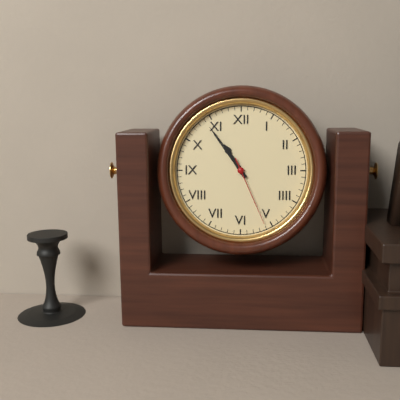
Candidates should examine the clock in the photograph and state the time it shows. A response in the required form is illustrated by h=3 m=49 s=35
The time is h=10 m=54 s=26
